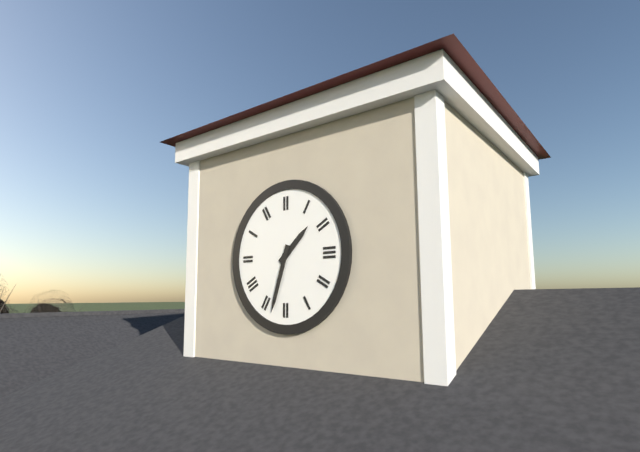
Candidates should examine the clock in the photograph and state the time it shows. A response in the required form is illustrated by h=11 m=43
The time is h=1 m=33
